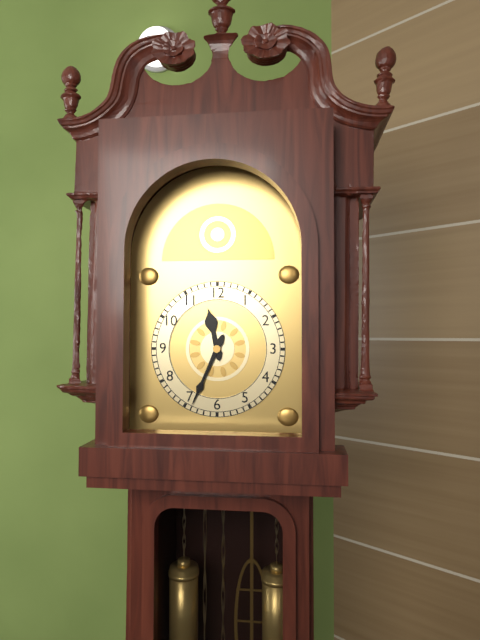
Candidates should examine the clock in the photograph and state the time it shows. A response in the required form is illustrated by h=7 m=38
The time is h=11 m=34
